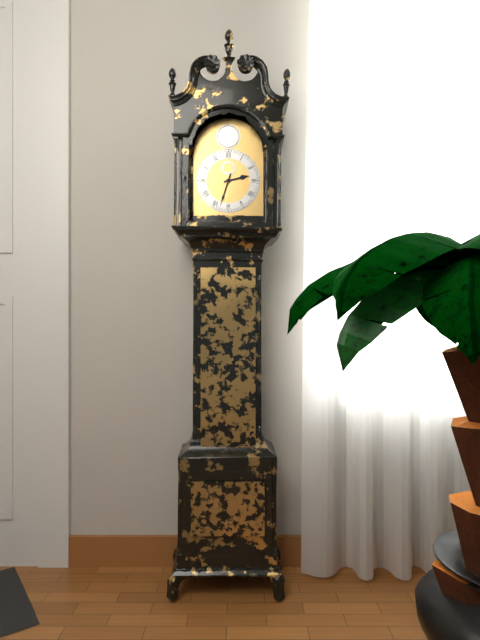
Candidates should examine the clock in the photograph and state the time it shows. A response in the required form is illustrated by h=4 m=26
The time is h=2 m=33
